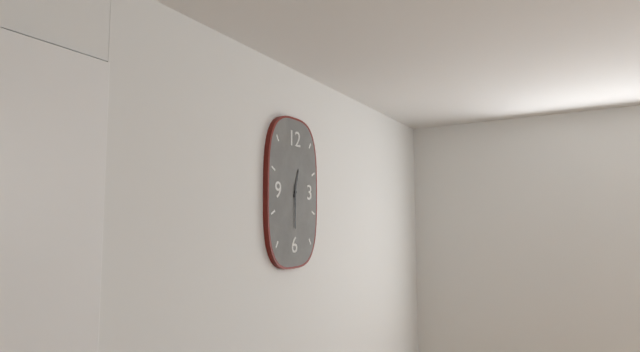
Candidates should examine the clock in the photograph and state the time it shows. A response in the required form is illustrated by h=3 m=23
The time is h=12 m=30
